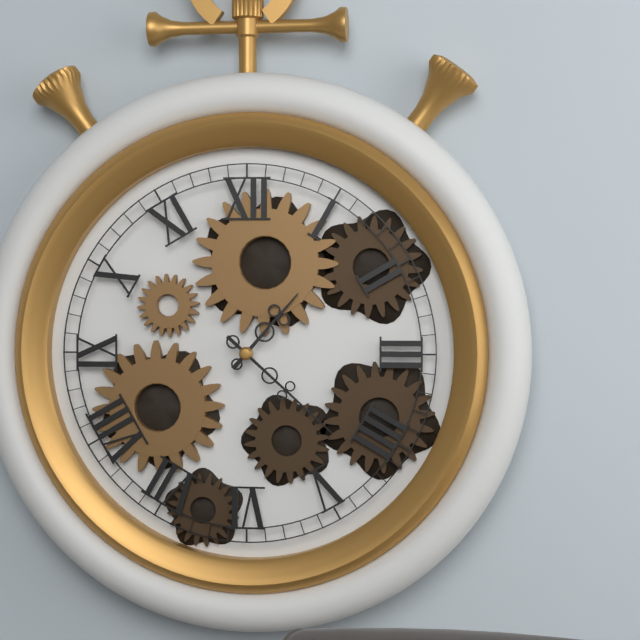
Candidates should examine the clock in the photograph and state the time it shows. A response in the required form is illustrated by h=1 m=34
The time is h=1 m=22
